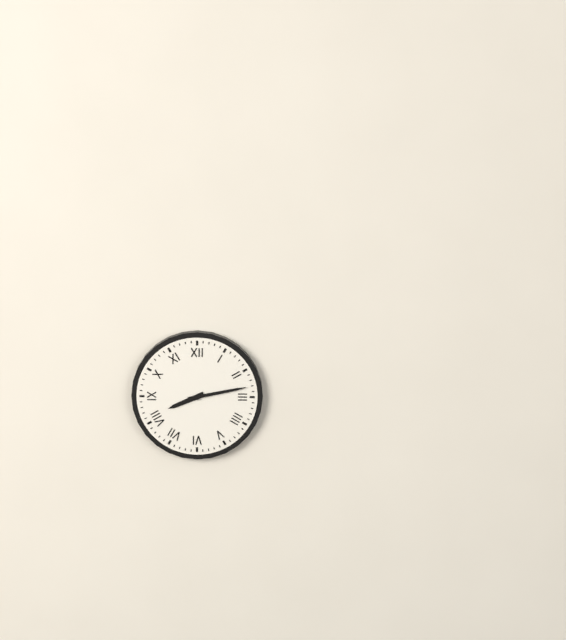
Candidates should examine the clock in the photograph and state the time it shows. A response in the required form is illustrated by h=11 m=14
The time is h=8 m=13
